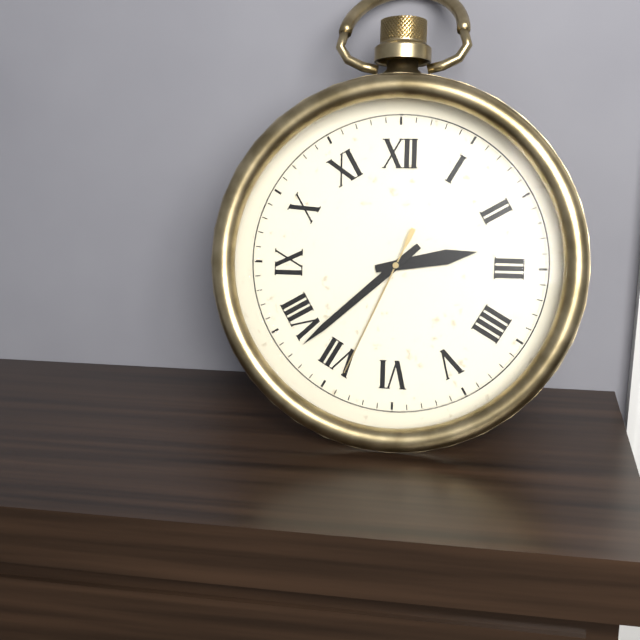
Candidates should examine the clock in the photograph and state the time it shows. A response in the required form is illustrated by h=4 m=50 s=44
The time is h=2 m=38 s=34
